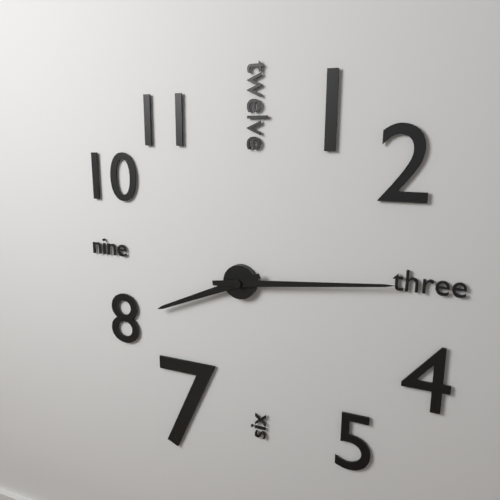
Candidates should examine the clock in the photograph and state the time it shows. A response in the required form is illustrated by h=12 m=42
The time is h=8 m=14
